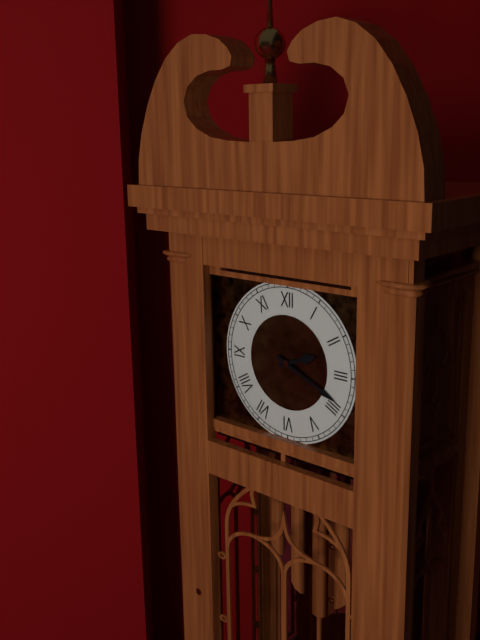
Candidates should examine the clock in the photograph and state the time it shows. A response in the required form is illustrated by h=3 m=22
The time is h=2 m=19
